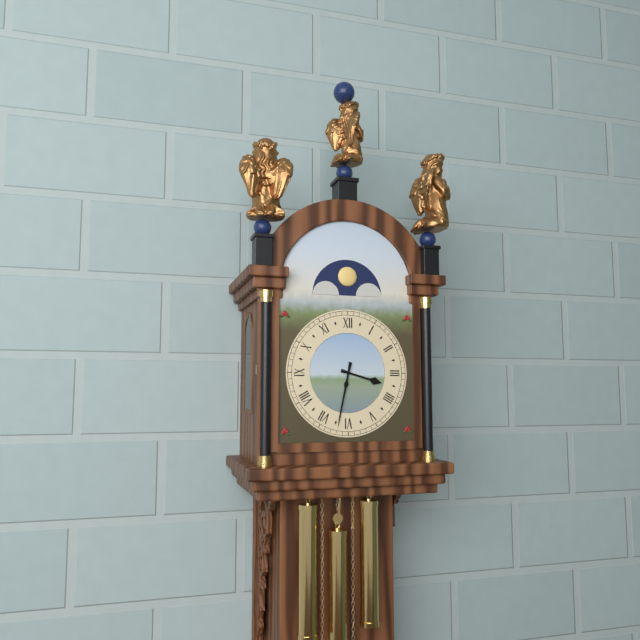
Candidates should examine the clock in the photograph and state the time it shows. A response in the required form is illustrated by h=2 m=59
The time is h=3 m=32
